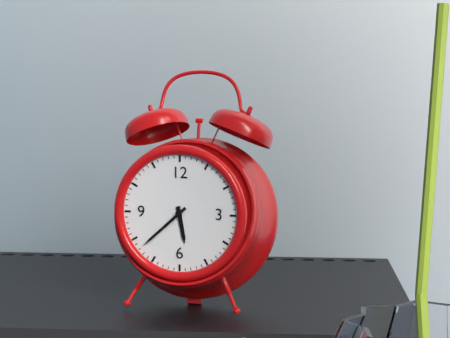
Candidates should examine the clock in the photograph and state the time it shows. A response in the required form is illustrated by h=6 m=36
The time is h=5 m=38
